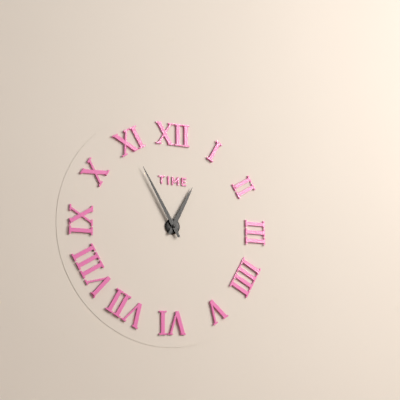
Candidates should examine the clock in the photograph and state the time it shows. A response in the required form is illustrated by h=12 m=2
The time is h=12 m=55
